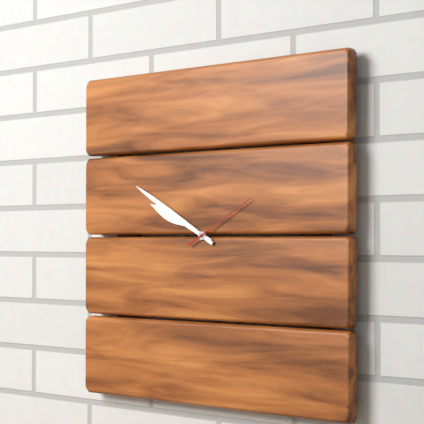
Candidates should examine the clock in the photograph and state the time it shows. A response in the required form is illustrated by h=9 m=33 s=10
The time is h=9 m=50 s=10
